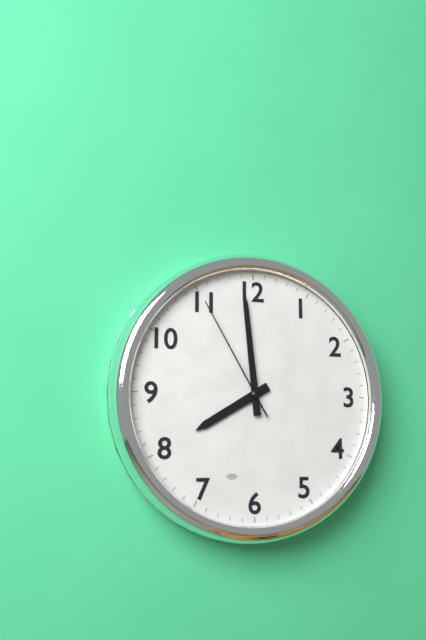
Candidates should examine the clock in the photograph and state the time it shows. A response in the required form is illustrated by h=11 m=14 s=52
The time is h=7 m=59 s=55
